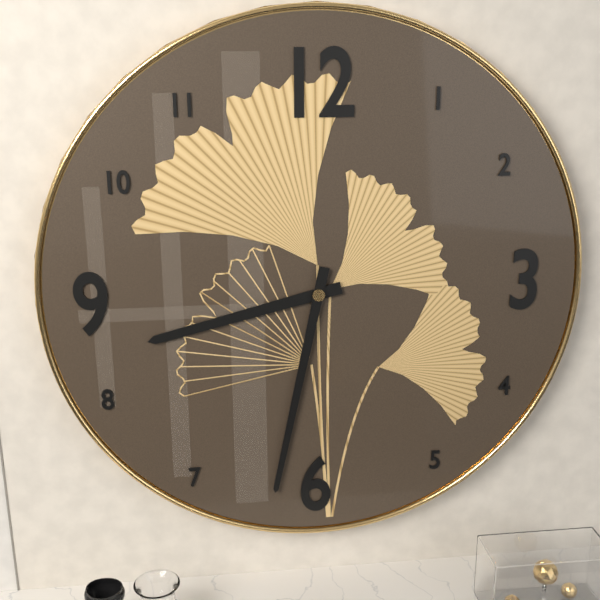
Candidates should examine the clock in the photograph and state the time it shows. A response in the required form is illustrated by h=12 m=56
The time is h=8 m=32
